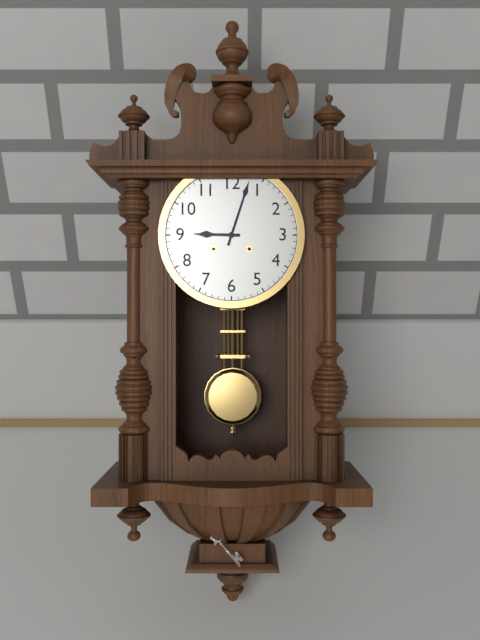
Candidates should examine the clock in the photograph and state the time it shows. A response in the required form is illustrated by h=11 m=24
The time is h=9 m=3
